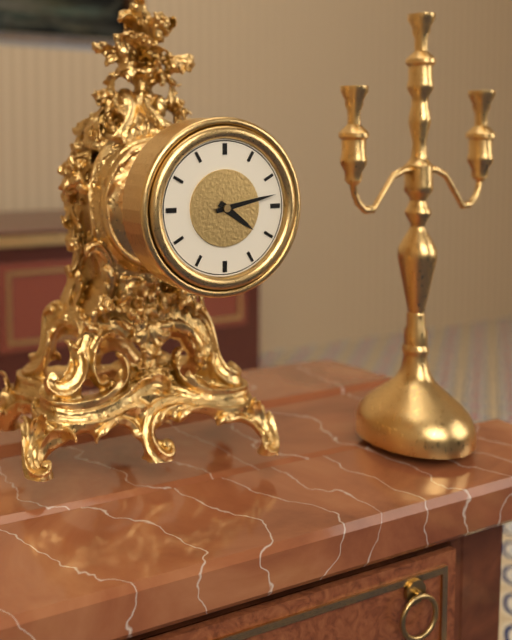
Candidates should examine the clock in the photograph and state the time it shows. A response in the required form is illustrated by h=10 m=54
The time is h=4 m=13
